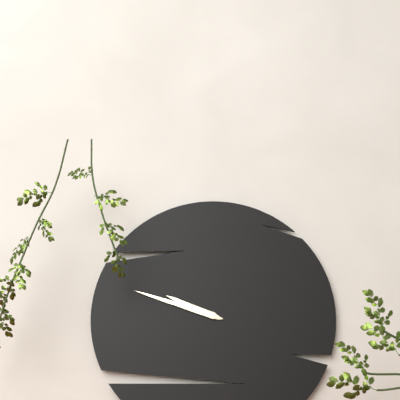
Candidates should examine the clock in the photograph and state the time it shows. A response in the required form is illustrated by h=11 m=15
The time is h=9 m=48
